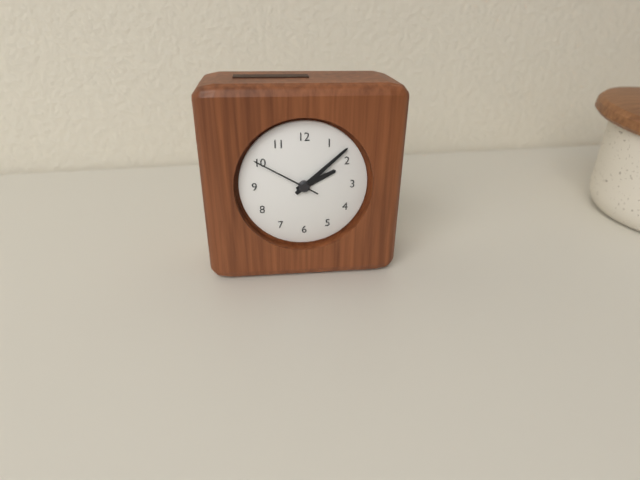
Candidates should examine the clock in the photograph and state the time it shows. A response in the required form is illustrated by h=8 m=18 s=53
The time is h=2 m=8 s=50
